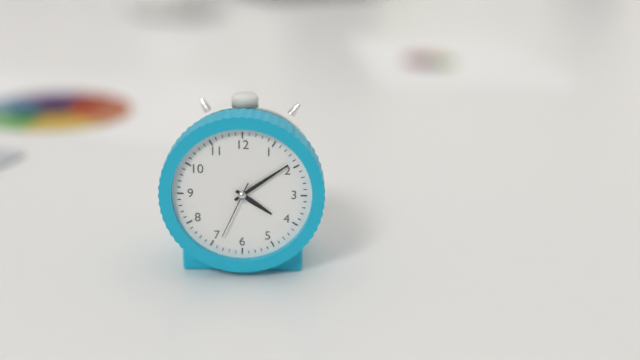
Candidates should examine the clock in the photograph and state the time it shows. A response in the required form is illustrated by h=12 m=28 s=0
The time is h=4 m=9 s=34
